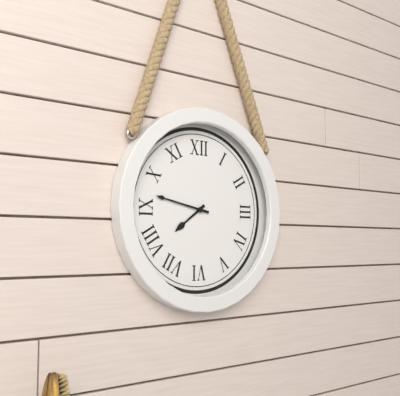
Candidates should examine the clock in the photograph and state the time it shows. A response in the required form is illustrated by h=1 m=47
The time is h=7 m=47
